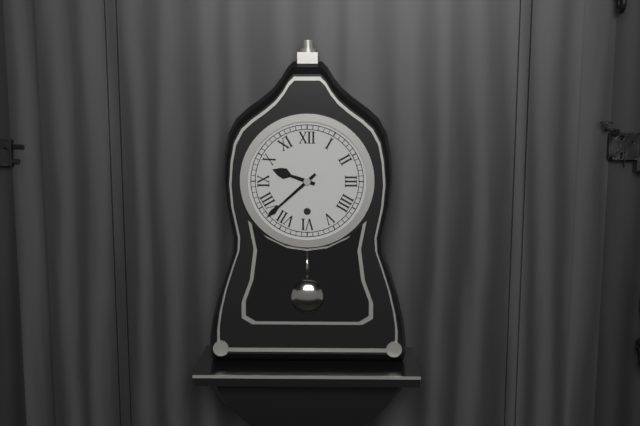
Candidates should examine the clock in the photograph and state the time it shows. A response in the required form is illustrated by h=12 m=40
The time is h=9 m=38
